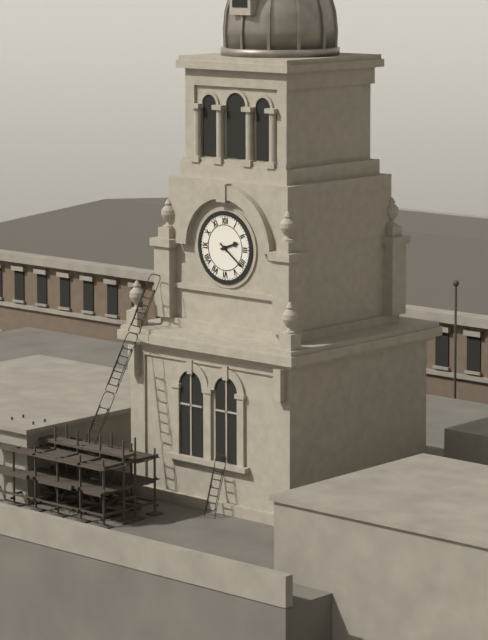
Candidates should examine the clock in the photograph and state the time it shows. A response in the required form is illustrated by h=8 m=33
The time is h=2 m=21
